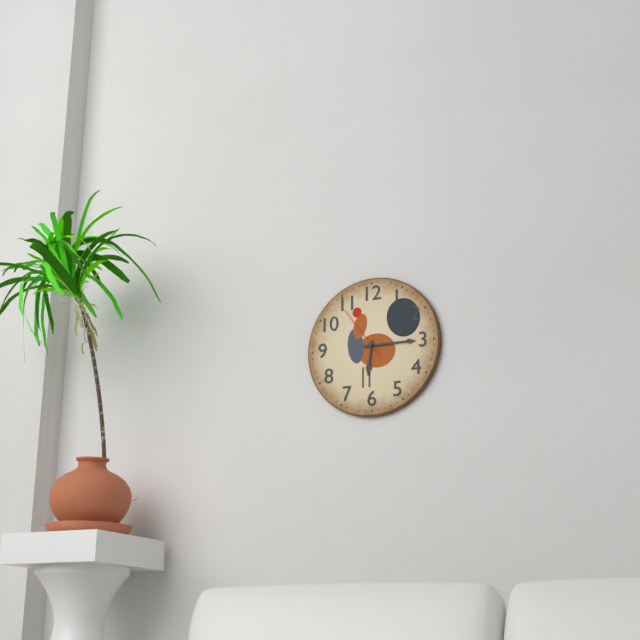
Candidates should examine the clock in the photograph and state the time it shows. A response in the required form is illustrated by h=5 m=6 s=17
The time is h=6 m=15 s=54
